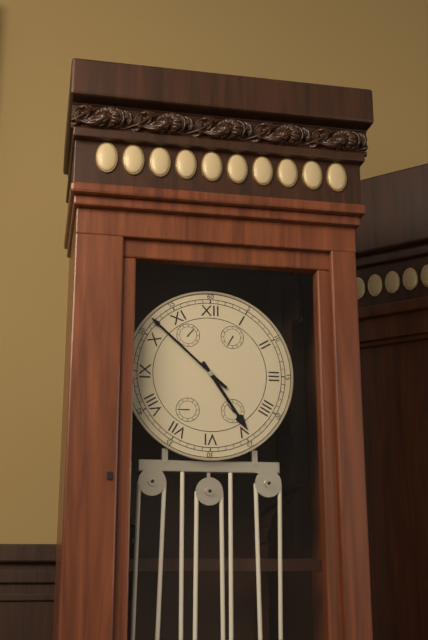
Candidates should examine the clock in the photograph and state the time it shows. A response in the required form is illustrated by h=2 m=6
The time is h=4 m=52
